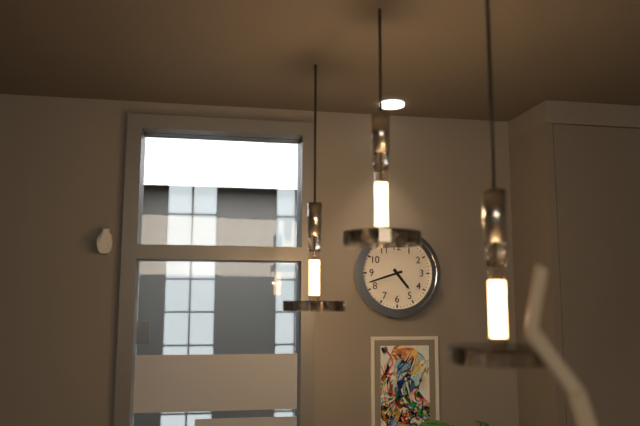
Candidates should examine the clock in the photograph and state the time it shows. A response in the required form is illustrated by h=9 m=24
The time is h=4 m=42
